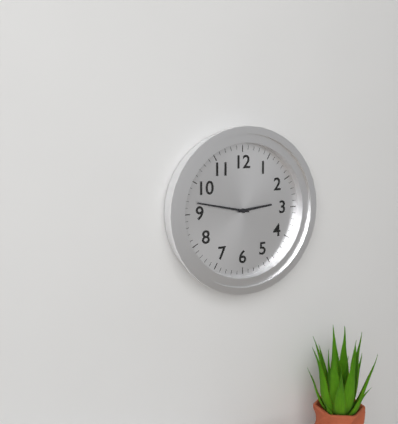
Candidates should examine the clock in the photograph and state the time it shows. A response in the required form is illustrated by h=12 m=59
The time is h=2 m=47
